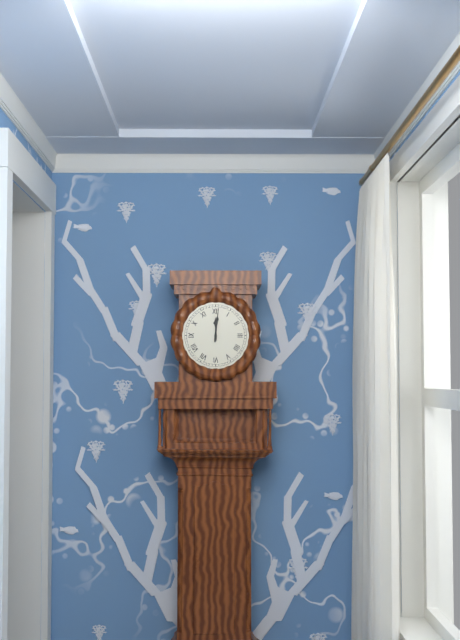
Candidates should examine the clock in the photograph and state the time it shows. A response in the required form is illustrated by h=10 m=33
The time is h=12 m=1
